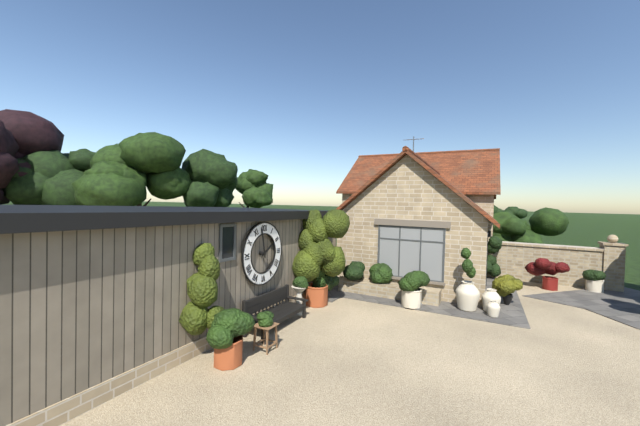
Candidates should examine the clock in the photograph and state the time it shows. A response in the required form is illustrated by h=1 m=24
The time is h=1 m=58
